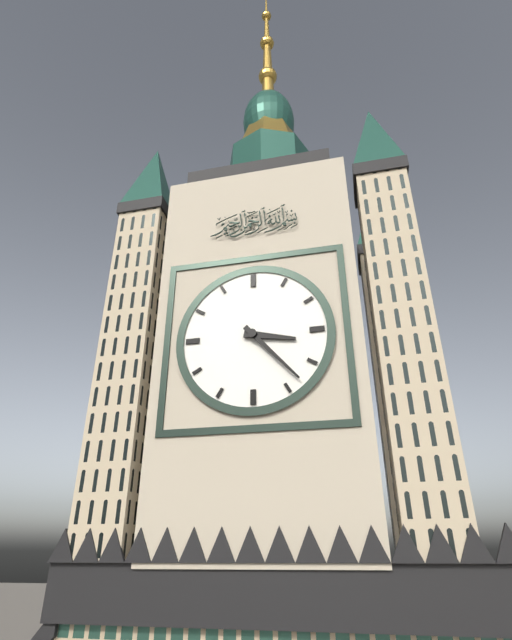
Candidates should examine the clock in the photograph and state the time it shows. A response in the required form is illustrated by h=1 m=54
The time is h=3 m=23
